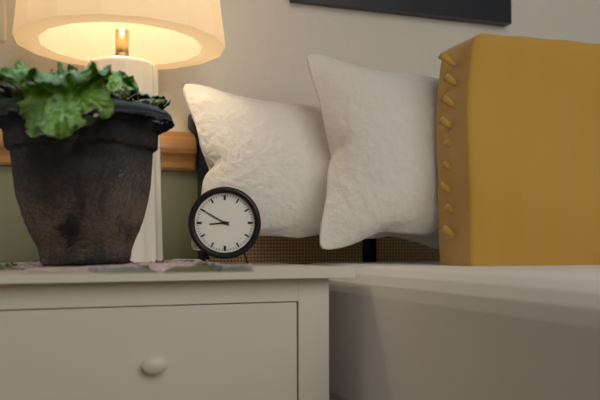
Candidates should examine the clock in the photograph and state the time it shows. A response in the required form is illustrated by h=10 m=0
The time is h=8 m=50
